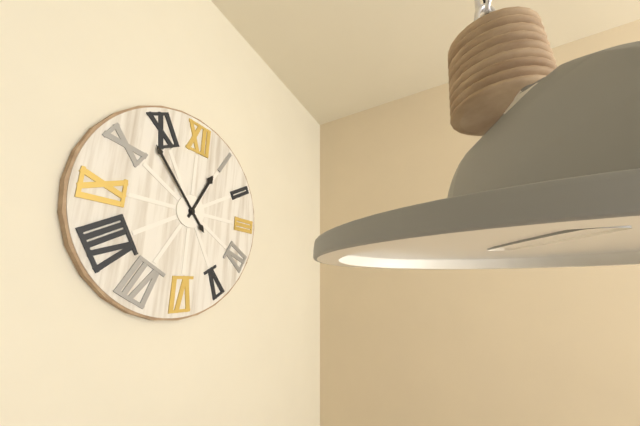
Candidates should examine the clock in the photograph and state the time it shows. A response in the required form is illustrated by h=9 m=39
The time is h=12 m=53
